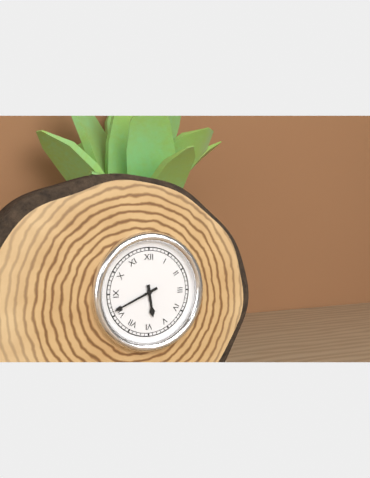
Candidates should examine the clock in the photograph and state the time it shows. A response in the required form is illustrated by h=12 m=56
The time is h=5 m=41
